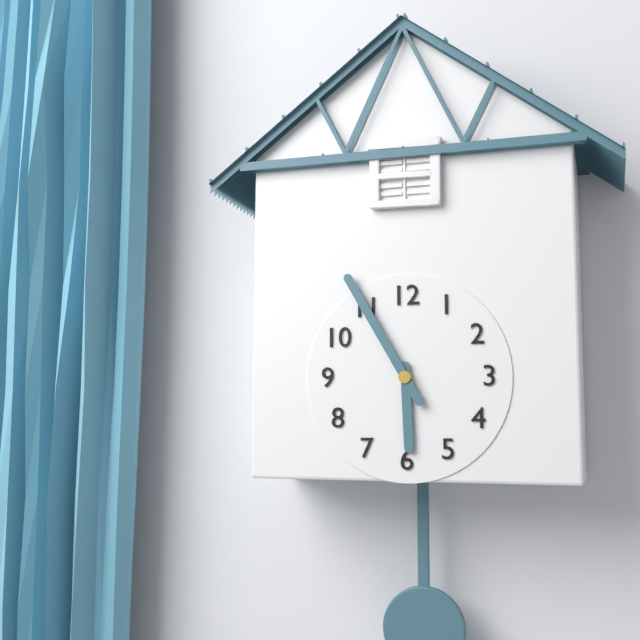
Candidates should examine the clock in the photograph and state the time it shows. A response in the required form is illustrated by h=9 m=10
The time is h=5 m=55
